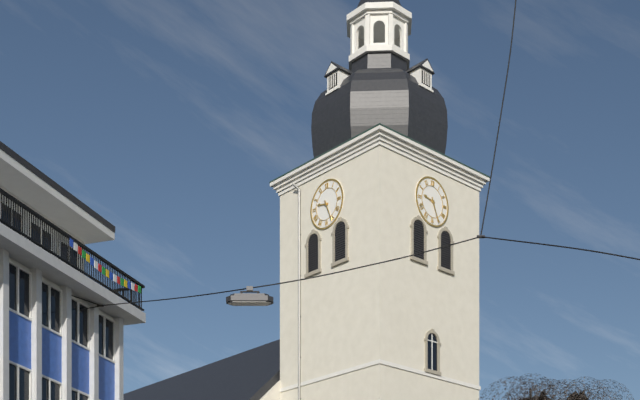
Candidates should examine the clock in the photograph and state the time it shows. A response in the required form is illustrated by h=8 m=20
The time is h=9 m=26
